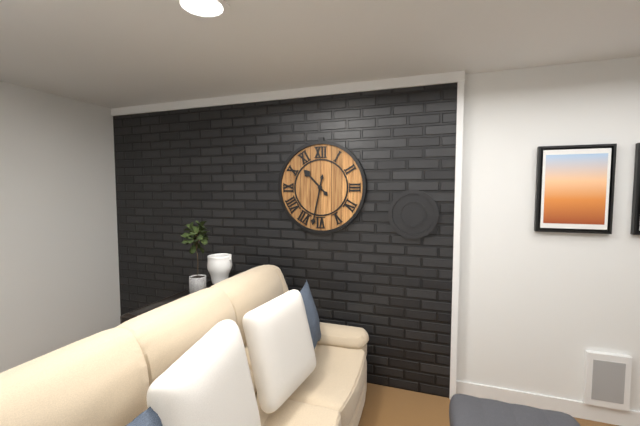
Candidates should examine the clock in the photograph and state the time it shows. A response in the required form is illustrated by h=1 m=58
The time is h=10 m=32
